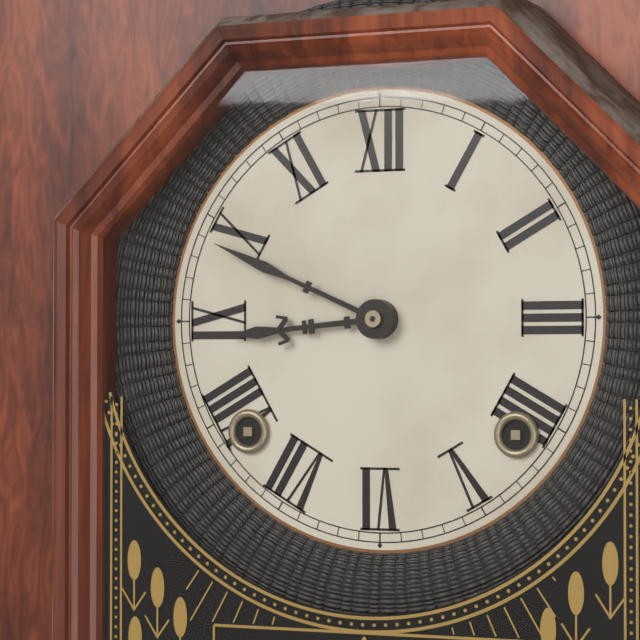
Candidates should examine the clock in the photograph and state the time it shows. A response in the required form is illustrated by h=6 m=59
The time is h=8 m=49
